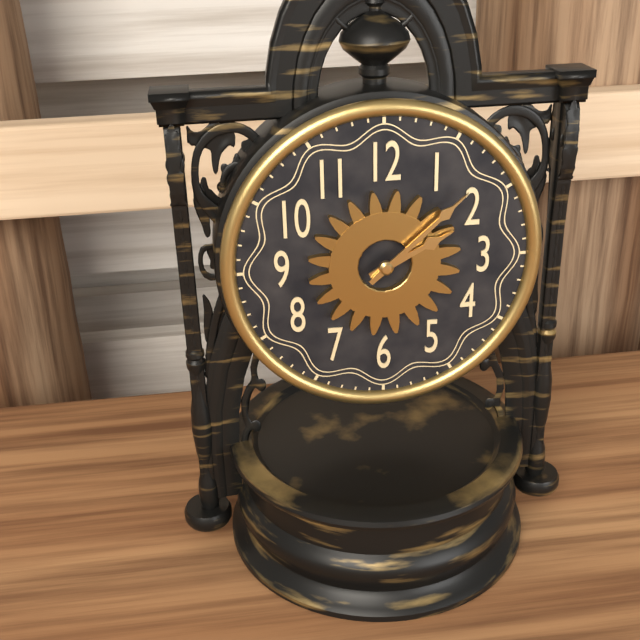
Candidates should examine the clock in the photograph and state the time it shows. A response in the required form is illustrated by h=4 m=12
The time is h=2 m=8
